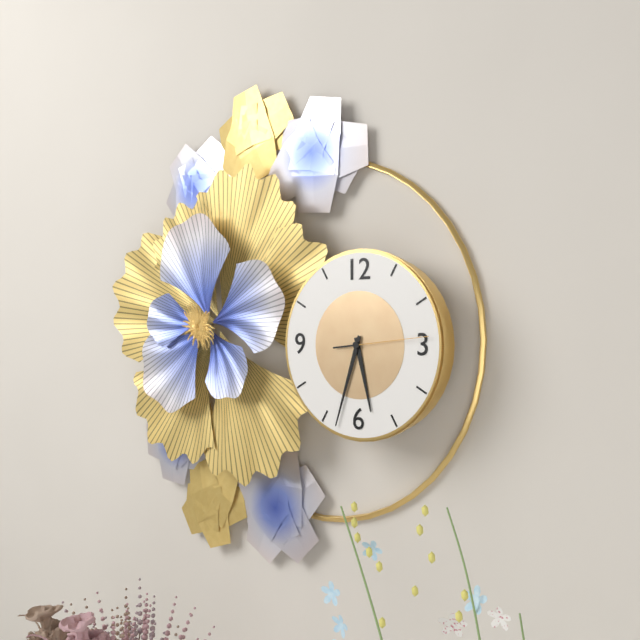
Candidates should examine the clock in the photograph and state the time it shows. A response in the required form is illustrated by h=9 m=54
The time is h=5 m=33
